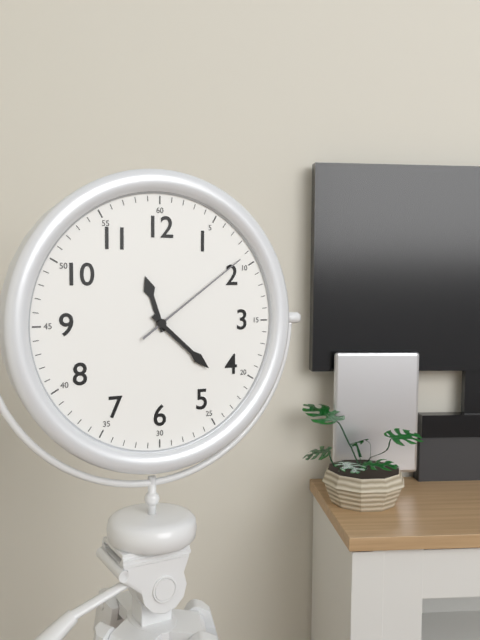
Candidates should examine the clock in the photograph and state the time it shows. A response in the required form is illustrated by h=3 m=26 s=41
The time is h=11 m=22 s=9
